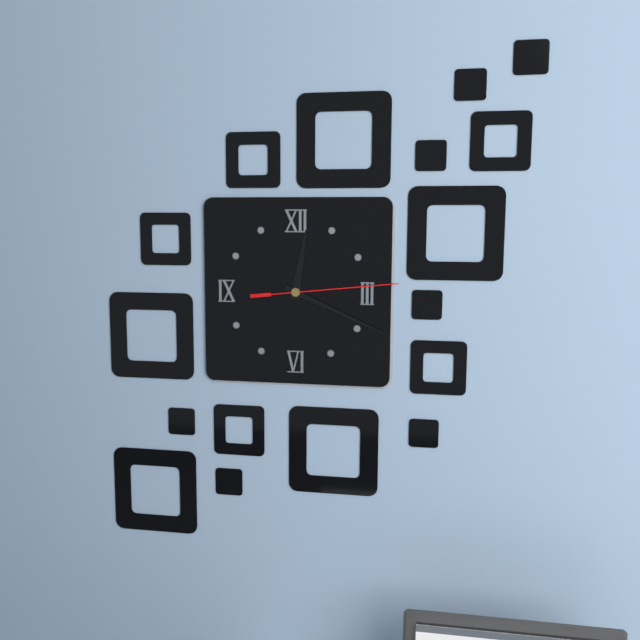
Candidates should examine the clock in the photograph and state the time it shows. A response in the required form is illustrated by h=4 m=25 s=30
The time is h=12 m=19 s=14
